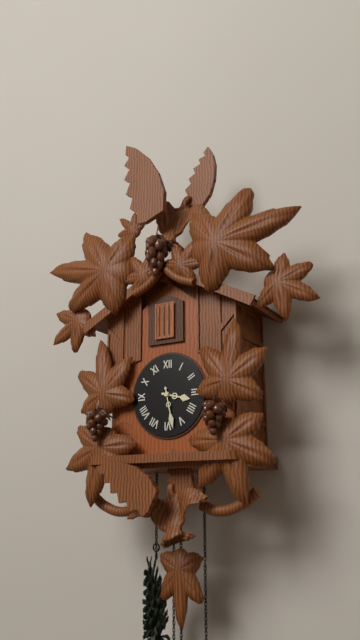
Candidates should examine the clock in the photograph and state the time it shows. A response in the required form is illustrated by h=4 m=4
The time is h=3 m=28
